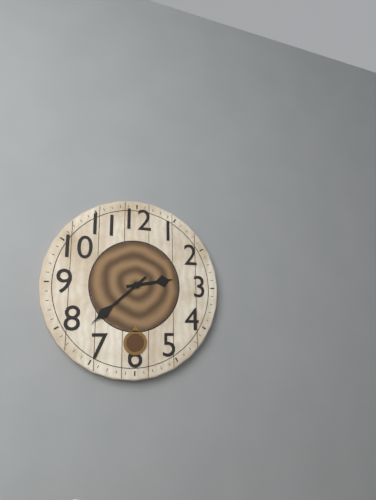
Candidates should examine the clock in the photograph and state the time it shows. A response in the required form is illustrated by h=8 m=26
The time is h=2 m=38
